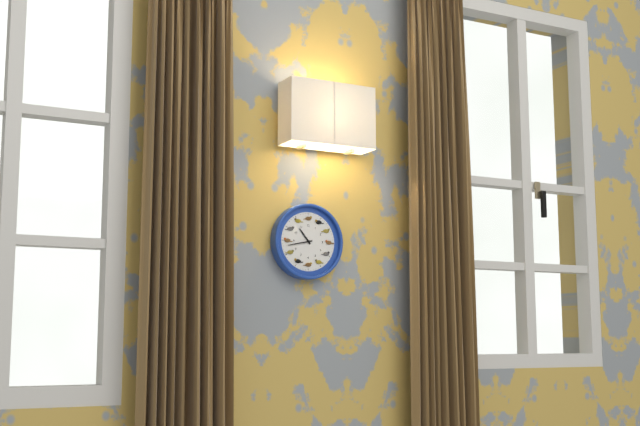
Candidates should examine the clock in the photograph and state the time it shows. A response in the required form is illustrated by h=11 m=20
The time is h=10 m=43
